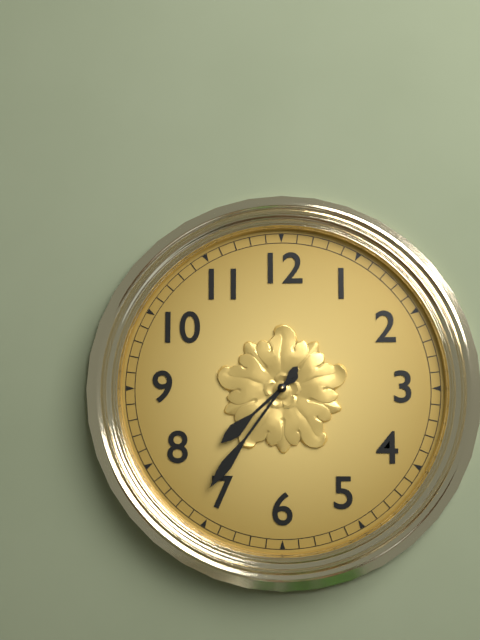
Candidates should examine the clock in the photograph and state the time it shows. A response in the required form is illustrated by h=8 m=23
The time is h=7 m=36
